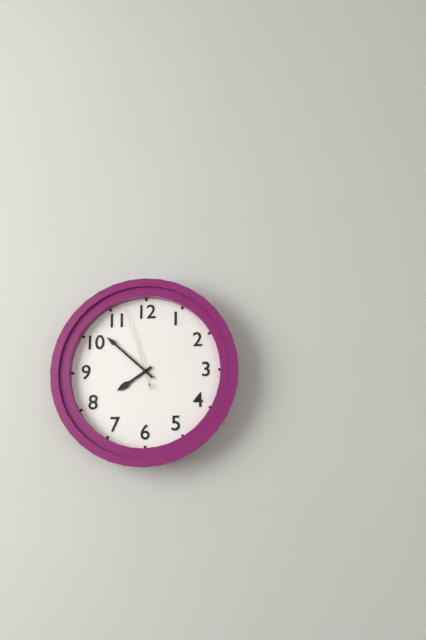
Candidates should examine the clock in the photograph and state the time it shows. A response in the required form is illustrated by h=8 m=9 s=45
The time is h=7 m=52 s=57
